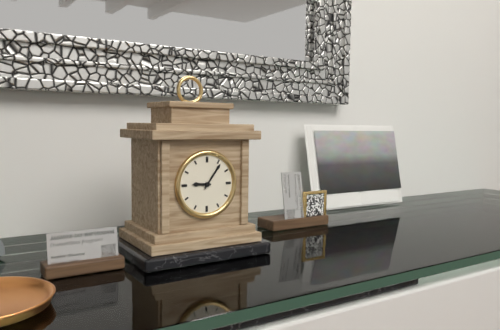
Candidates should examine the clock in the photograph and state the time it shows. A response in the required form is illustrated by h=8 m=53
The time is h=9 m=6
